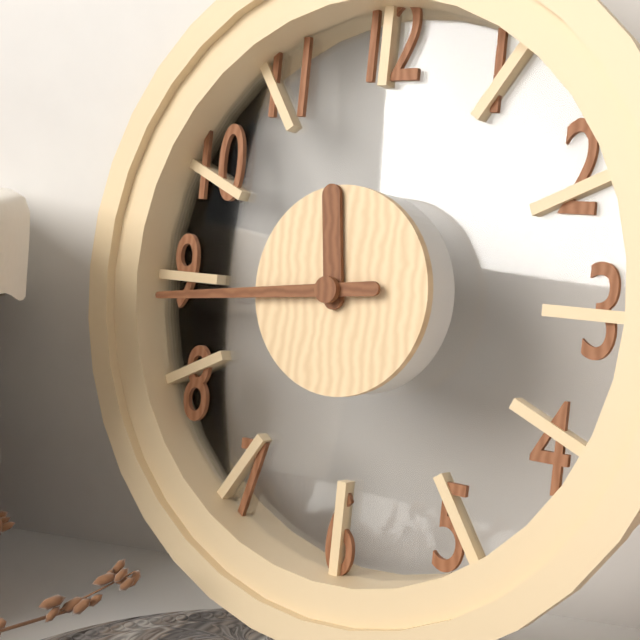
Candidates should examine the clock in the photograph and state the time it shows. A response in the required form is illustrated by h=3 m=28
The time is h=11 m=44
